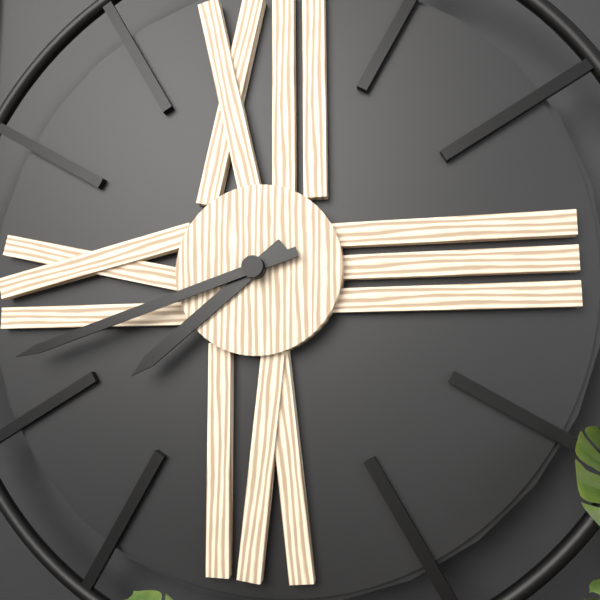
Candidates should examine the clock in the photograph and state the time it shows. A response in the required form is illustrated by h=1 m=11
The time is h=7 m=42
